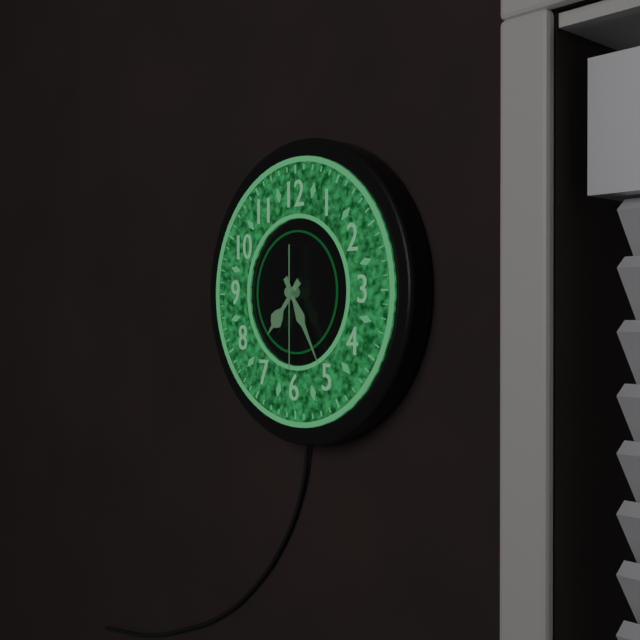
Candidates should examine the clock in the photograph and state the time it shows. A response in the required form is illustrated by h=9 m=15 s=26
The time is h=7 m=25 s=30
